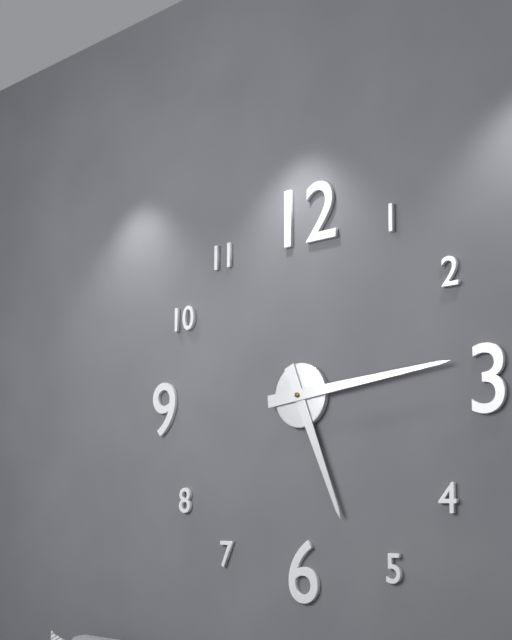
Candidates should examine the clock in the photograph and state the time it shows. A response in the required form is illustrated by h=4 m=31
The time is h=5 m=14
